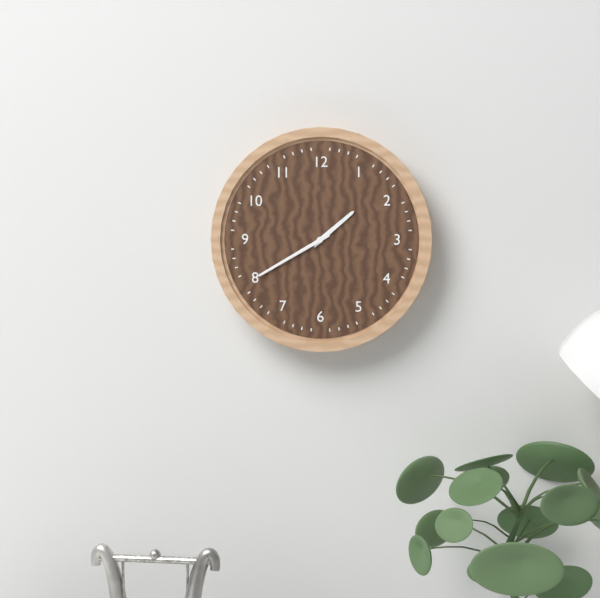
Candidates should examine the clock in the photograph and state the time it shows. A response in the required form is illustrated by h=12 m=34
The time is h=1 m=40
